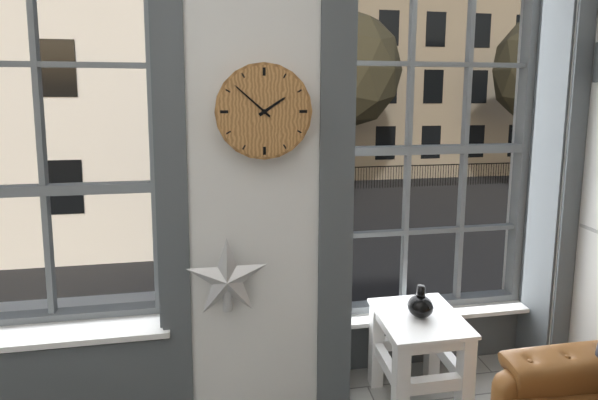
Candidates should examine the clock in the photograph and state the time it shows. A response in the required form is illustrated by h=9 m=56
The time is h=1 m=52
